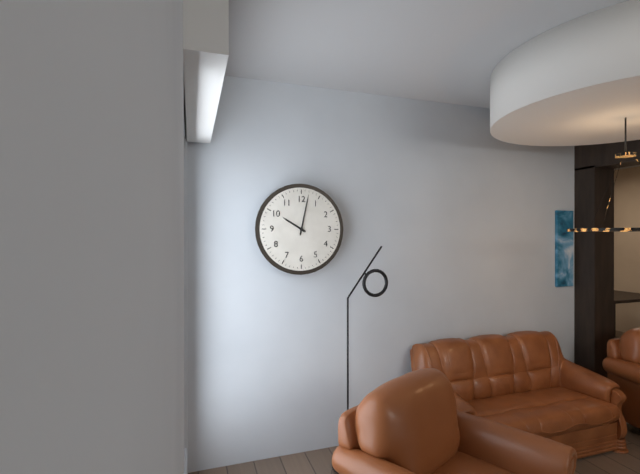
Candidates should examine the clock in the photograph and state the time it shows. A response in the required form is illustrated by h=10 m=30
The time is h=10 m=2
